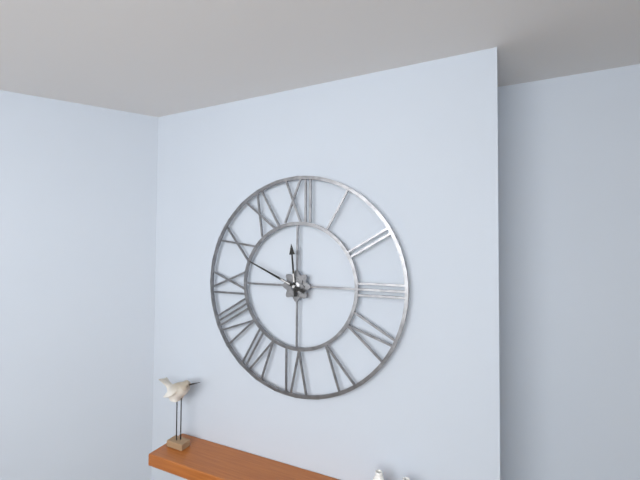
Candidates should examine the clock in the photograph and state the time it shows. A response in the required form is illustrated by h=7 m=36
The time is h=11 m=49
